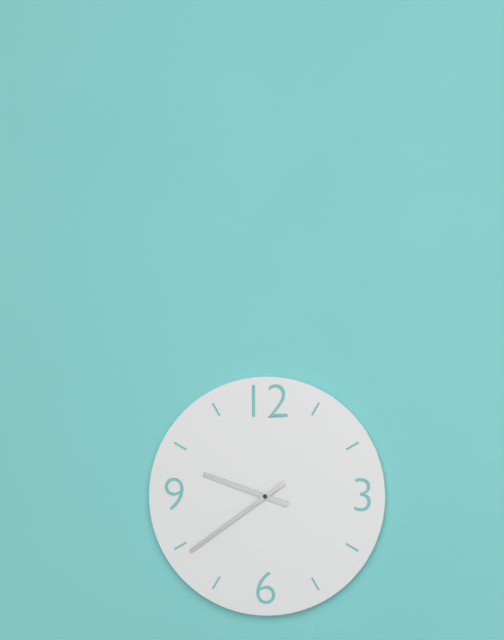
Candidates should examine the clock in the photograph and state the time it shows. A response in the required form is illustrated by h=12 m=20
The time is h=9 m=39
